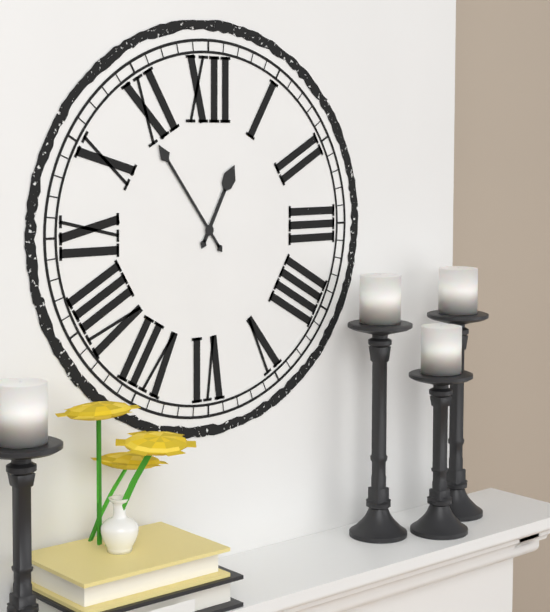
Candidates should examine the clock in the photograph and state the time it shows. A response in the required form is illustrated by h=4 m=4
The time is h=12 m=54
